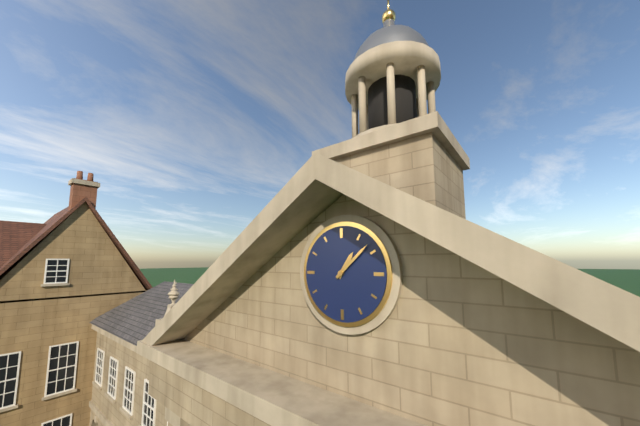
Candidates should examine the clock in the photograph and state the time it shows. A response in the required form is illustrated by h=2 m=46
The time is h=1 m=8
